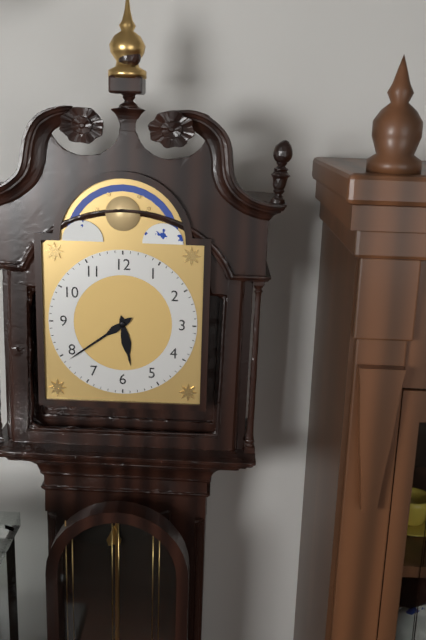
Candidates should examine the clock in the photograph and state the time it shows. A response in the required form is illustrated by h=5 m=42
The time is h=5 m=39
